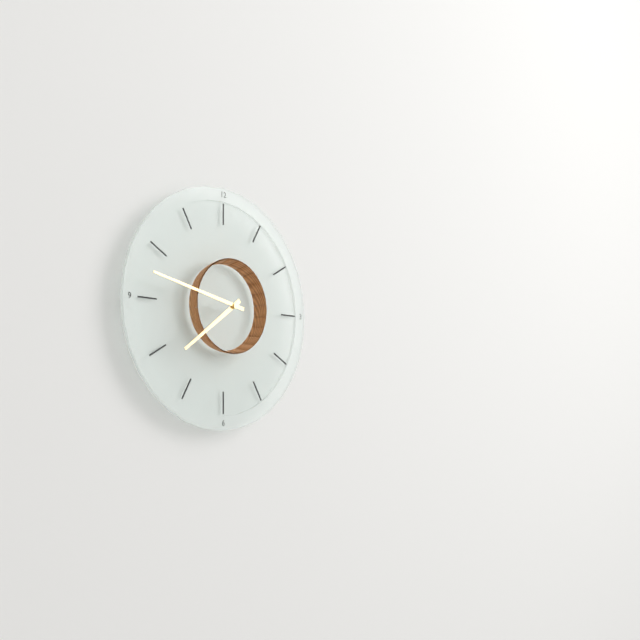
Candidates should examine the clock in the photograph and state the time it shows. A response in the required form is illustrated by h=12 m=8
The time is h=7 m=47
